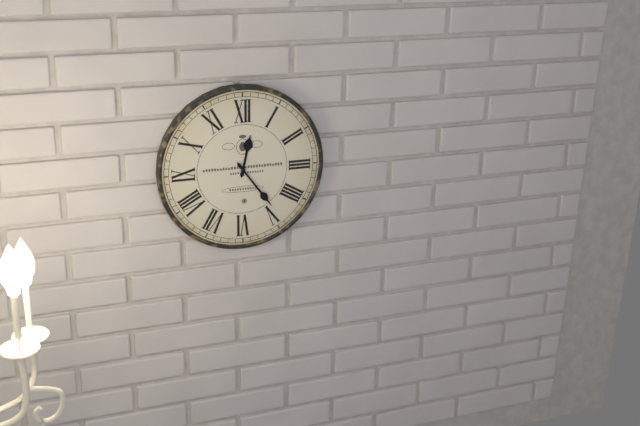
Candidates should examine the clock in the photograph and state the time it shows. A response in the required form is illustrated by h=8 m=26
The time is h=12 m=24
